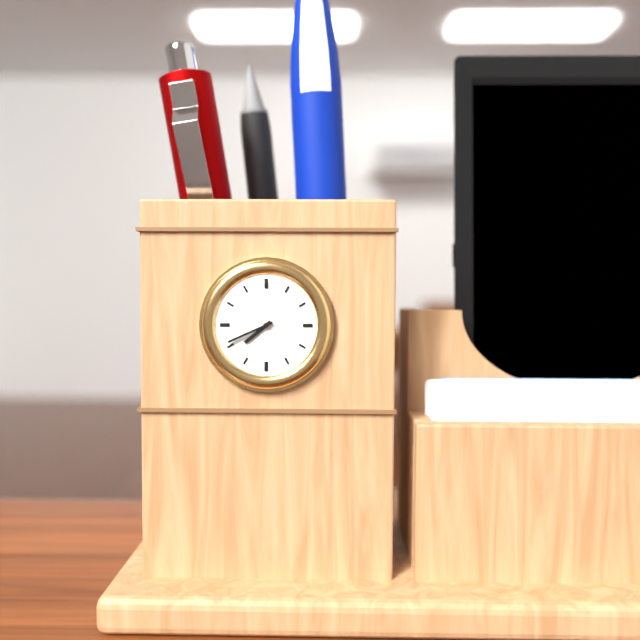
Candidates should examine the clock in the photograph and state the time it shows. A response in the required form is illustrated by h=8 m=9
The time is h=7 m=41
